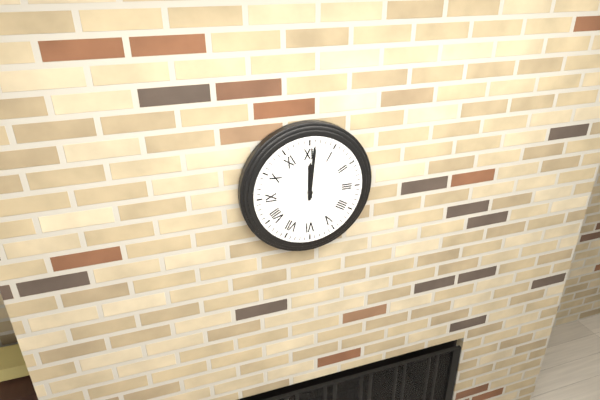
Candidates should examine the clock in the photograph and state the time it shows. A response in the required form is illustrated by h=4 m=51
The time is h=12 m=1
